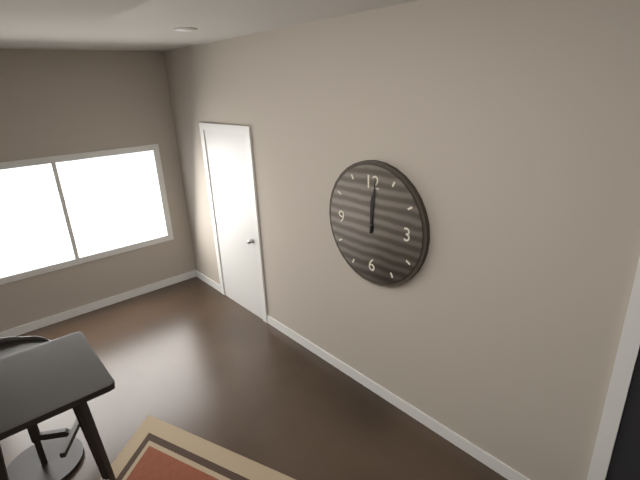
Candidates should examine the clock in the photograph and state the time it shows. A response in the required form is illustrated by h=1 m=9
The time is h=12 m=1
